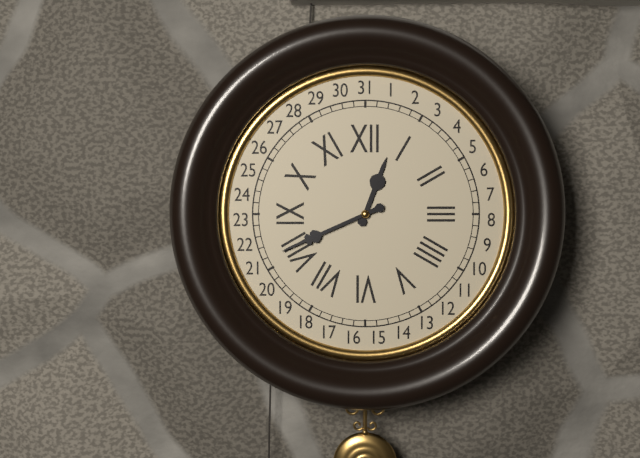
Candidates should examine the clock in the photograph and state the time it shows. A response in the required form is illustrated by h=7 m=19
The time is h=12 m=41
